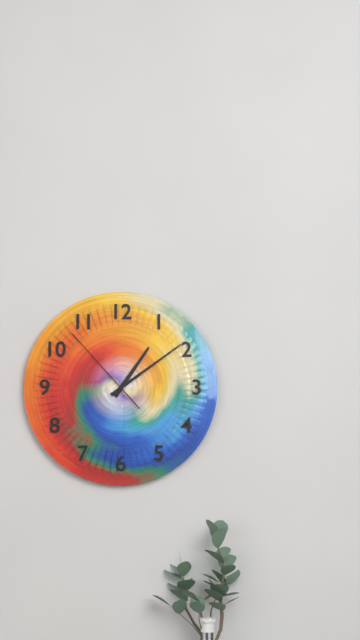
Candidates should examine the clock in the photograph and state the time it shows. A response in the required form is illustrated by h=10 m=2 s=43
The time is h=1 m=9 s=53
